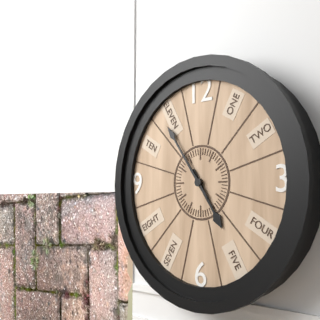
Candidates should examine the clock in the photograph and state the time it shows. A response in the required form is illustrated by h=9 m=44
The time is h=4 m=54
